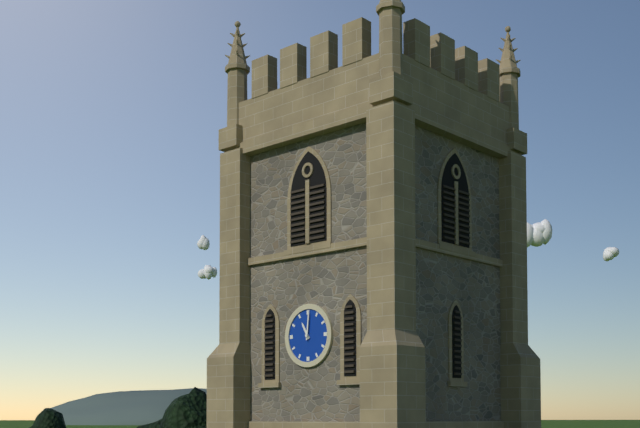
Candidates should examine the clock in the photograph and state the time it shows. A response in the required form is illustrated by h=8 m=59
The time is h=11 m=1
